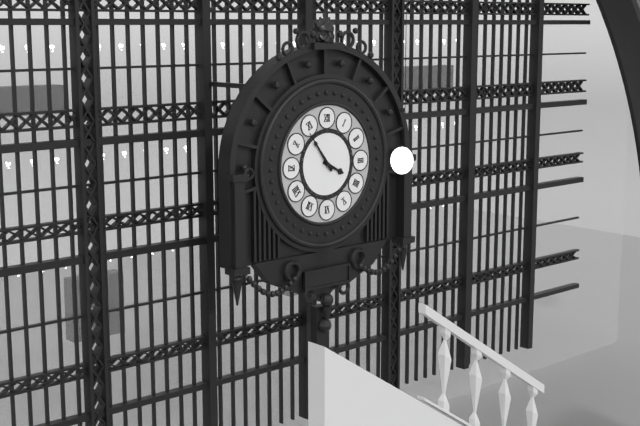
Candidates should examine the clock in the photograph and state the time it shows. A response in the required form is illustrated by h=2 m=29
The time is h=3 m=54
